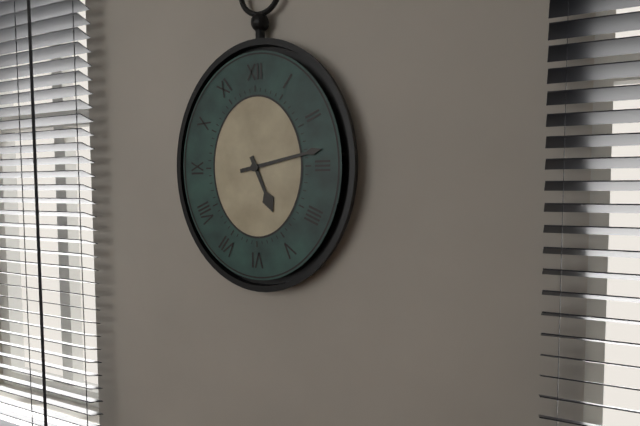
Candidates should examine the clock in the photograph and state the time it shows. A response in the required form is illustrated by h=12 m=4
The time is h=5 m=13
